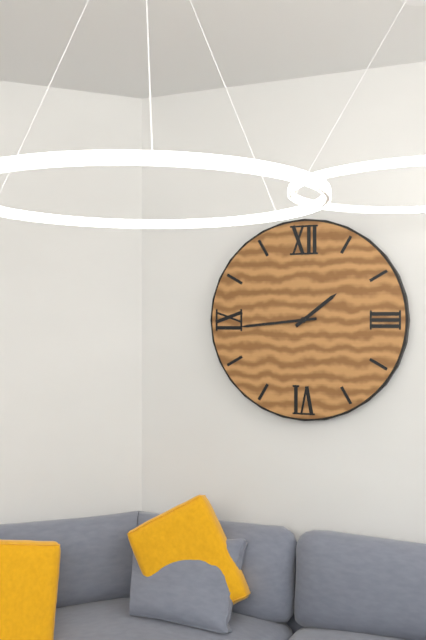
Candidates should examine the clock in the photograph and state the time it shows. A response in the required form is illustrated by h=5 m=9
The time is h=1 m=44
